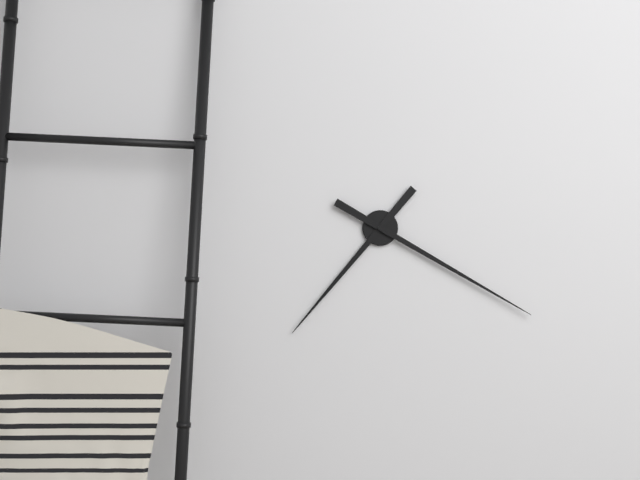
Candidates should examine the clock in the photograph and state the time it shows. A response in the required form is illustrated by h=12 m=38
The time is h=7 m=20
